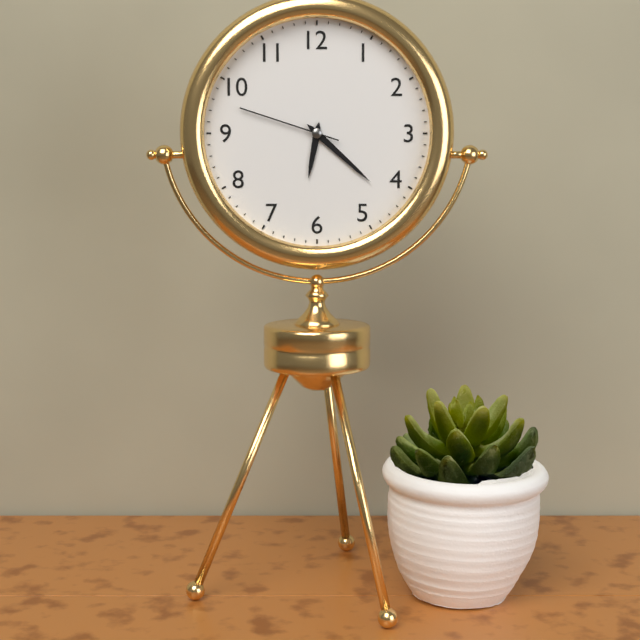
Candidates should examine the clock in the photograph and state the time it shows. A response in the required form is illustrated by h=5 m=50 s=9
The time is h=6 m=22 s=48
